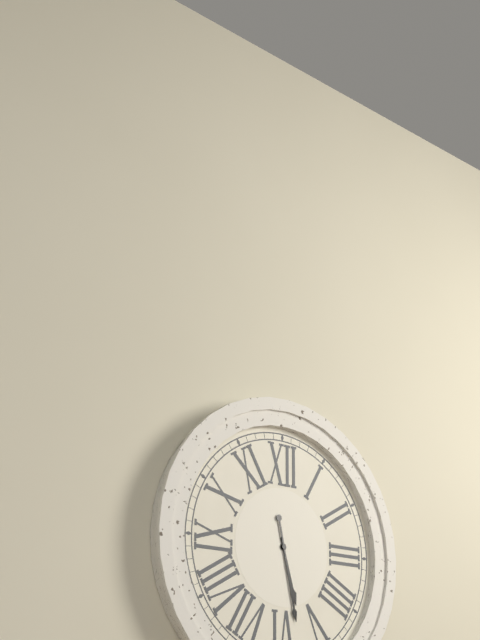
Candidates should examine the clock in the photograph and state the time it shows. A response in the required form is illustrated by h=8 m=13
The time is h=5 m=28
